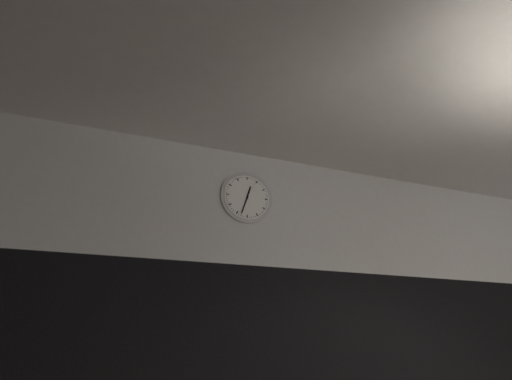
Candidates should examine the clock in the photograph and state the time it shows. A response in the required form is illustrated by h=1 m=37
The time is h=12 m=33
